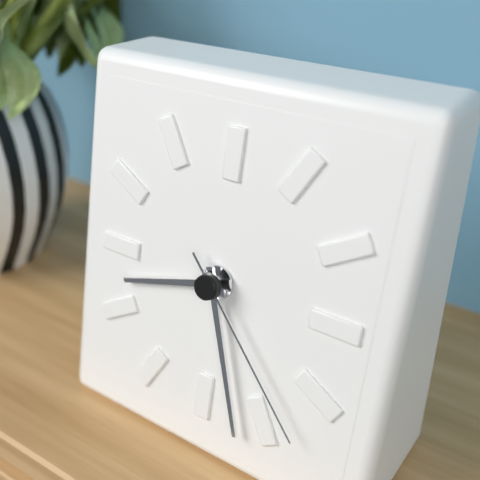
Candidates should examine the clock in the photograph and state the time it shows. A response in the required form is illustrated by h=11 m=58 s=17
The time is h=8 m=27 s=23
